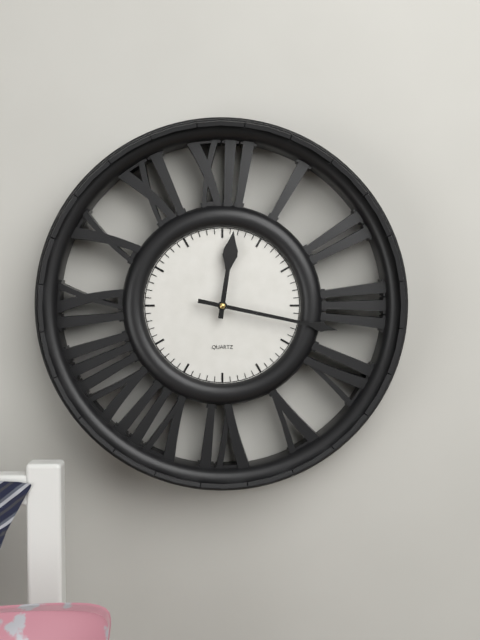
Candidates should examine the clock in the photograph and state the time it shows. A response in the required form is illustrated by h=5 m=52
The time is h=12 m=17
